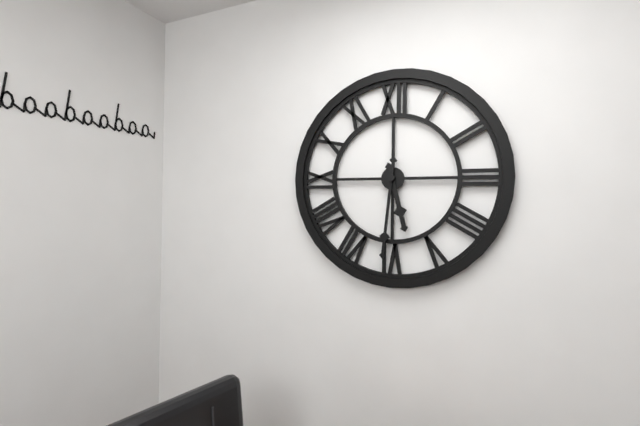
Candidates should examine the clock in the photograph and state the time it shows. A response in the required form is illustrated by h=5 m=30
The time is h=5 m=31
